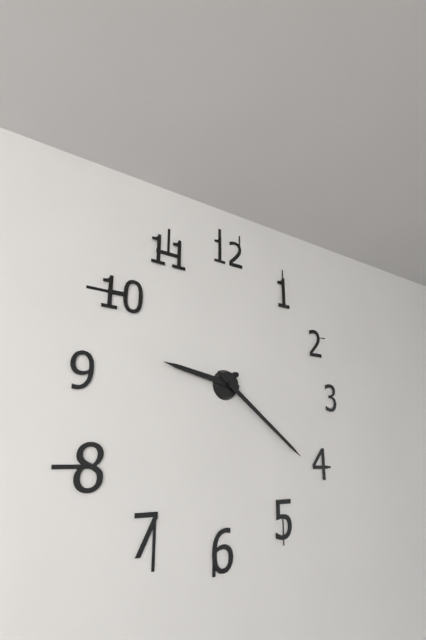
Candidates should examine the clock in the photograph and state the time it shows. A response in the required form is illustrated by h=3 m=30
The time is h=9 m=21
